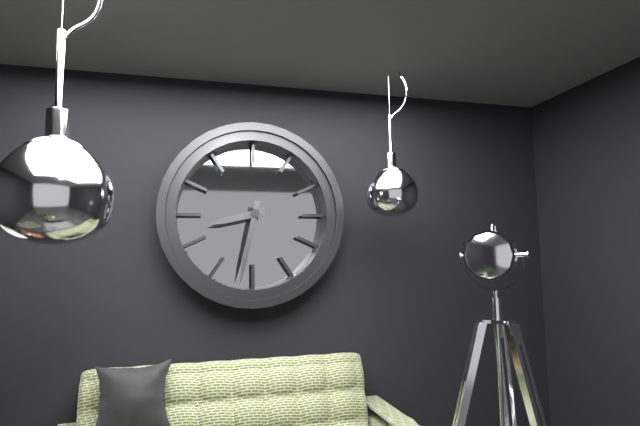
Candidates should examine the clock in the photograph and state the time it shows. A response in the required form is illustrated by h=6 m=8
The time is h=8 m=32
